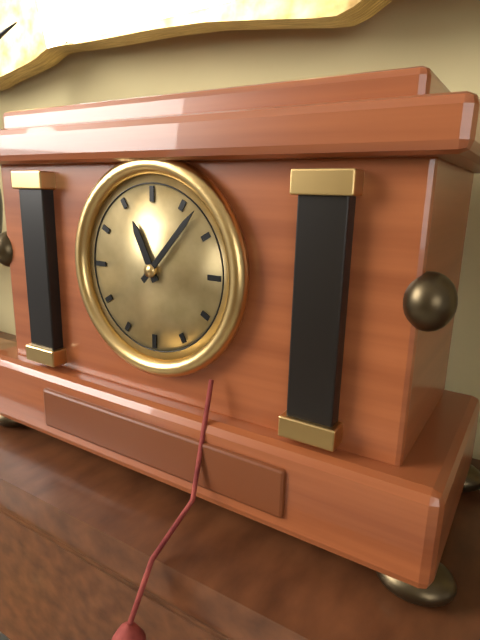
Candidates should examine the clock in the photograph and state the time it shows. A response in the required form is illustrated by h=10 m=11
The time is h=11 m=7
